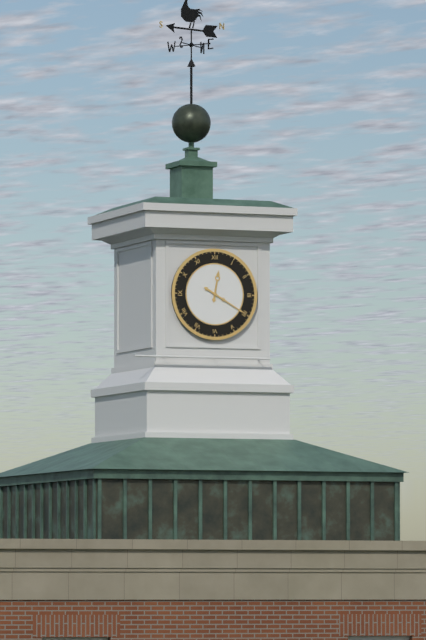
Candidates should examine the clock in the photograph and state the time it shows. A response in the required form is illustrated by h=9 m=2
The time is h=12 m=20
